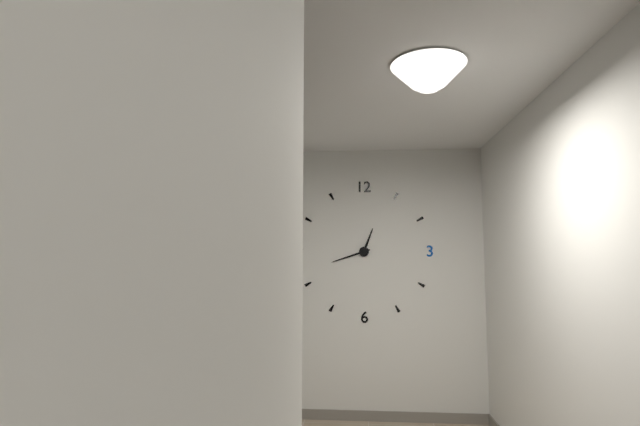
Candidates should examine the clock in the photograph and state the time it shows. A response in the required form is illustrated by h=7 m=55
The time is h=12 m=42
